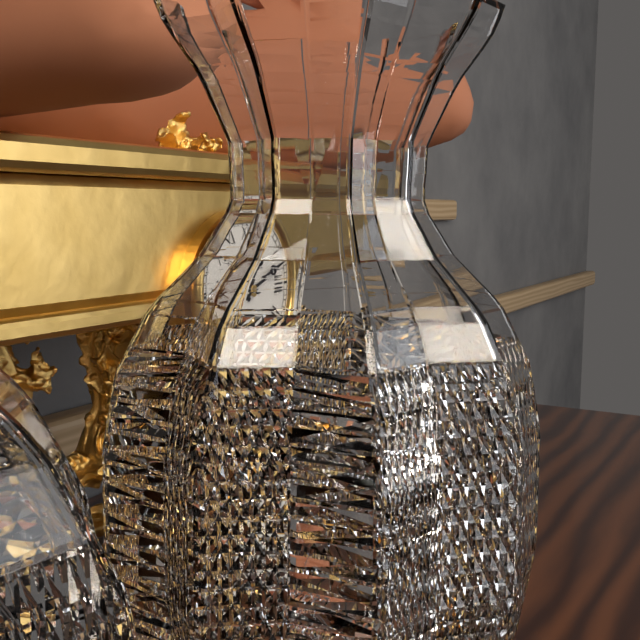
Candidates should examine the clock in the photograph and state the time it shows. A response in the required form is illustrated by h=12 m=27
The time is h=1 m=12
